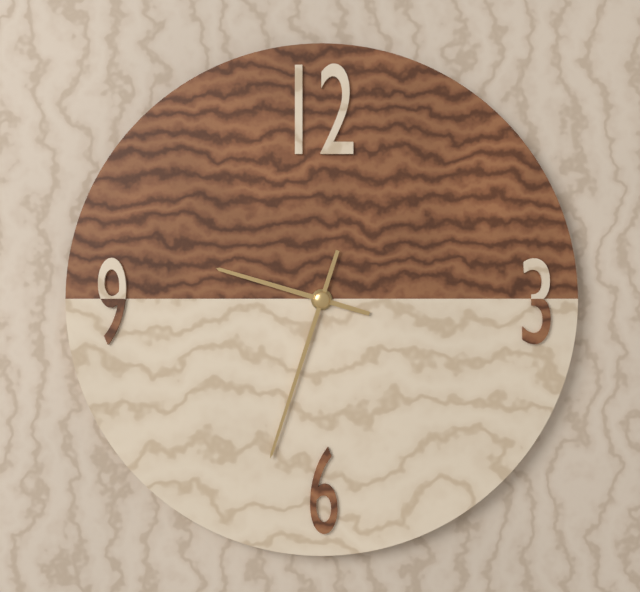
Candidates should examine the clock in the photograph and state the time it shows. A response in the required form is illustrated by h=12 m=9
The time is h=9 m=33
